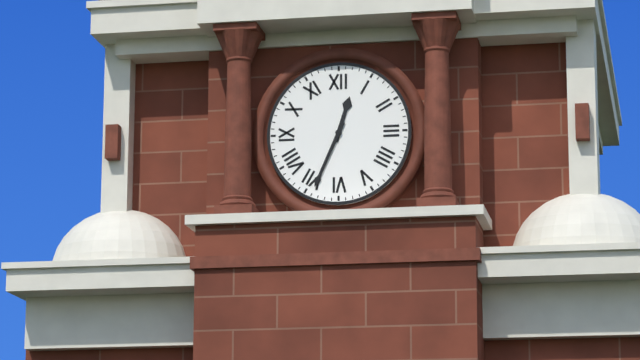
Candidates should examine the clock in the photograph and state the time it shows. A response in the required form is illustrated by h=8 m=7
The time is h=12 m=34
